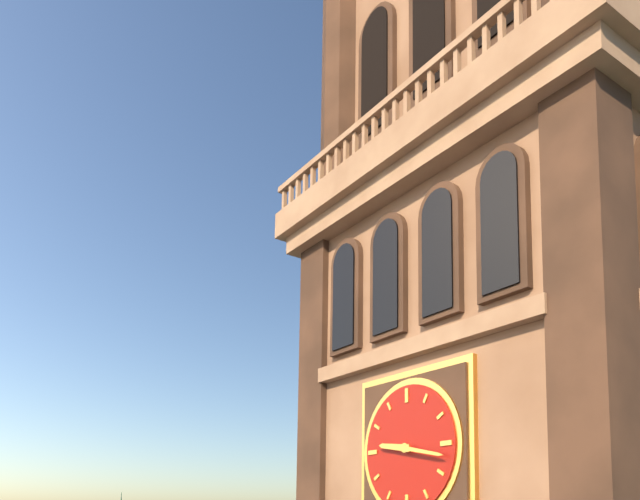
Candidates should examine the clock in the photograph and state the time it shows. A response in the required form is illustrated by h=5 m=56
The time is h=9 m=17
